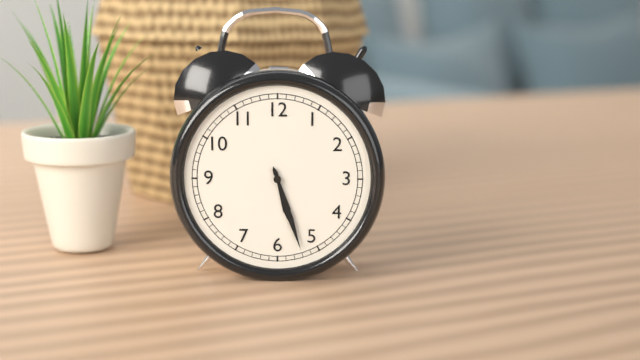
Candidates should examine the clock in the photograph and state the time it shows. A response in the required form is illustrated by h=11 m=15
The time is h=5 m=27
